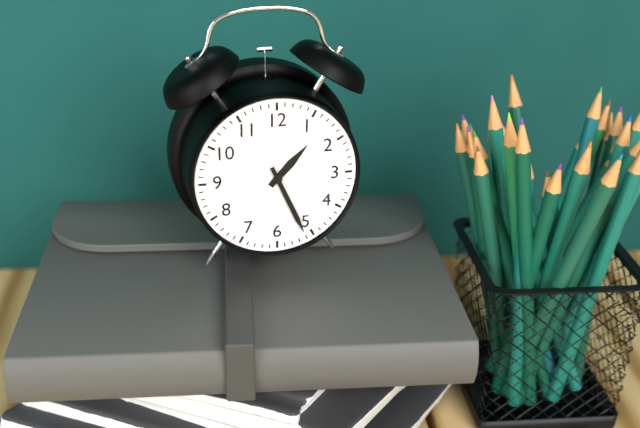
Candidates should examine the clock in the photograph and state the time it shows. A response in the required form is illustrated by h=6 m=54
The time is h=1 m=26
